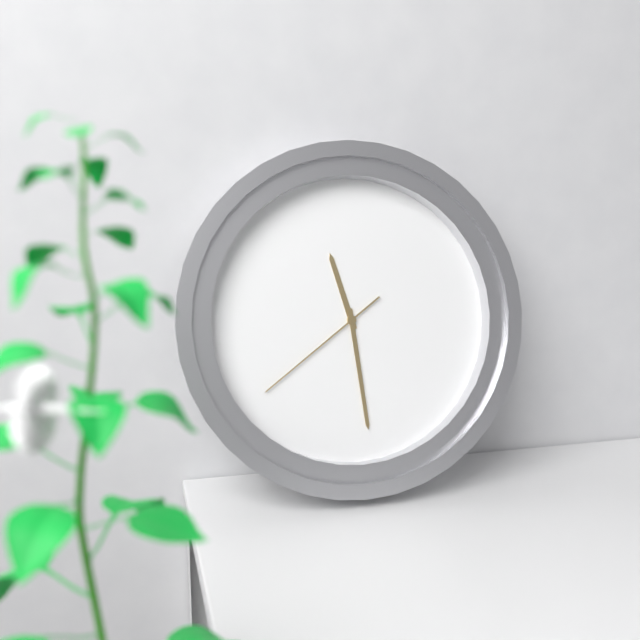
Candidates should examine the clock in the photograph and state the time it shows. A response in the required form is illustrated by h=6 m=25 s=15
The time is h=11 m=29 s=39
